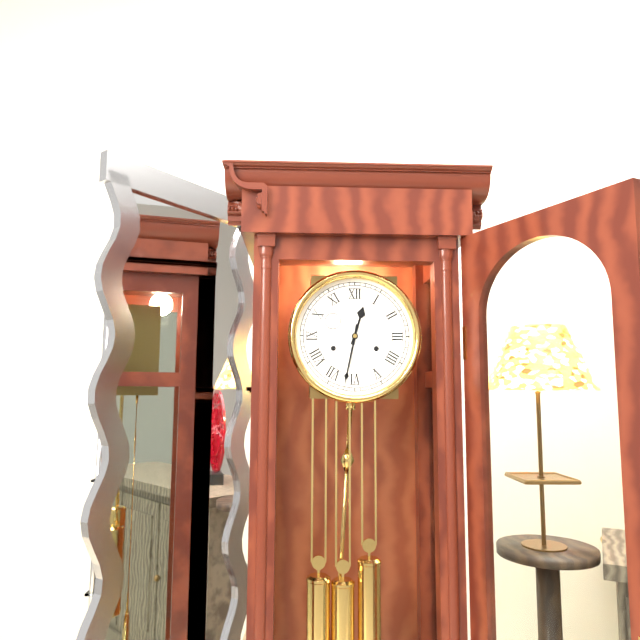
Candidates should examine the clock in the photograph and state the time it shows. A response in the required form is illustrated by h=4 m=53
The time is h=12 m=32
